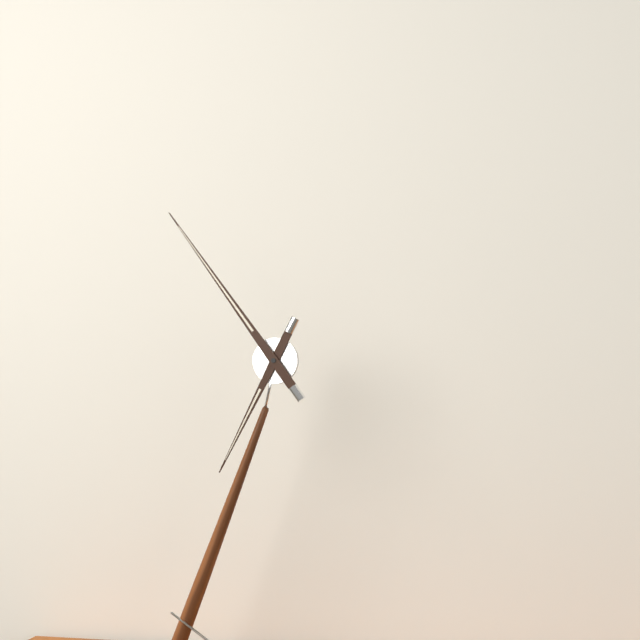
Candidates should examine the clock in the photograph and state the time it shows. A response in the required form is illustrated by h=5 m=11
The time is h=6 m=54
